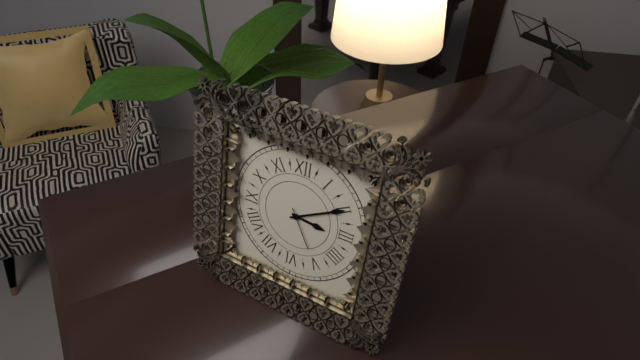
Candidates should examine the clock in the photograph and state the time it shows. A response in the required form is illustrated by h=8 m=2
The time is h=3 m=10
